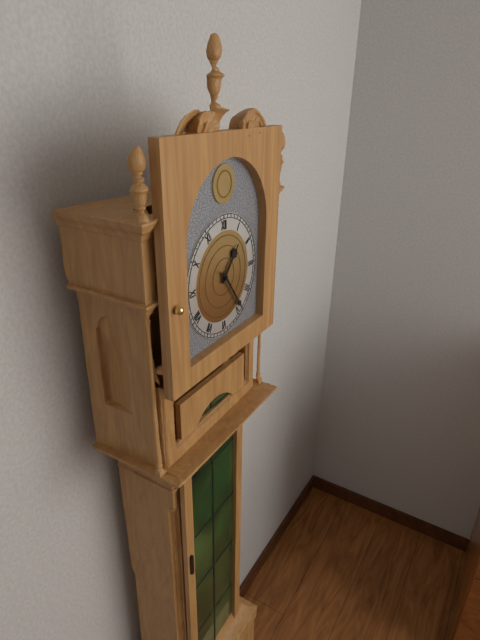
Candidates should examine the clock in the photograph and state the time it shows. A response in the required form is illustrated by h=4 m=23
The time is h=1 m=24
